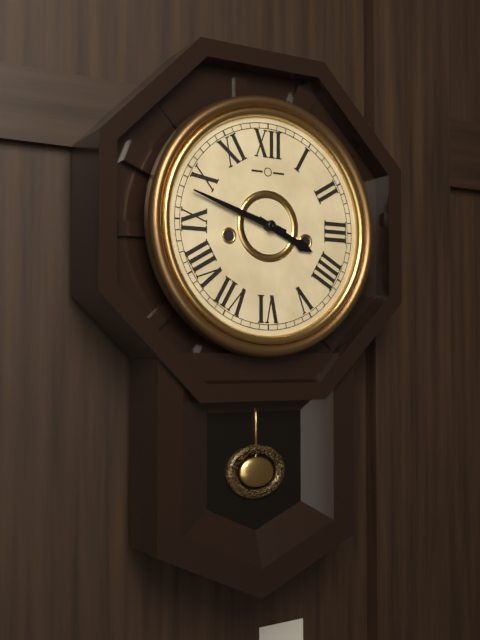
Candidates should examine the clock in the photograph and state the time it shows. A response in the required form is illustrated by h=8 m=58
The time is h=3 m=48
